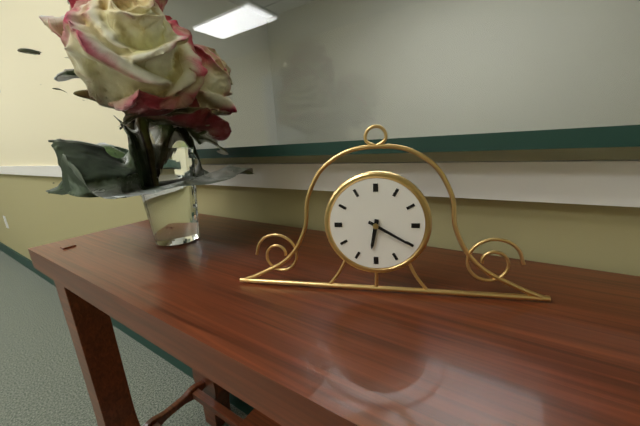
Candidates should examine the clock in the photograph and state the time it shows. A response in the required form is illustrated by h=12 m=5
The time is h=6 m=20
